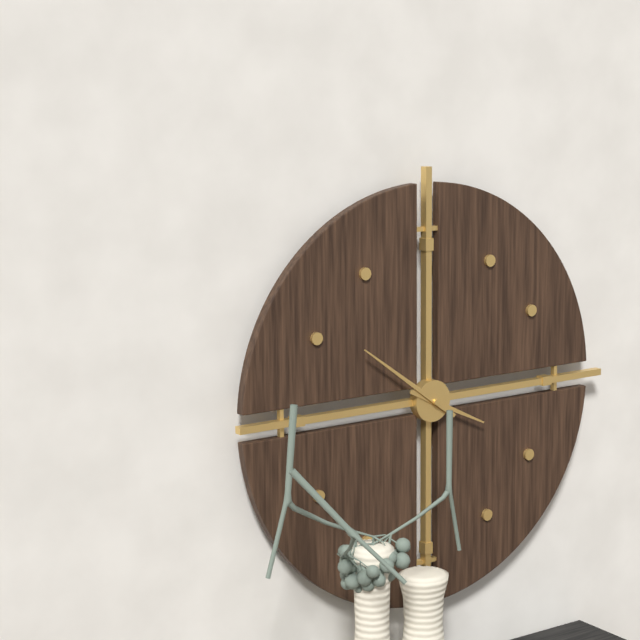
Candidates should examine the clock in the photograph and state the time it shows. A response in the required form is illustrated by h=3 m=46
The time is h=3 m=51
